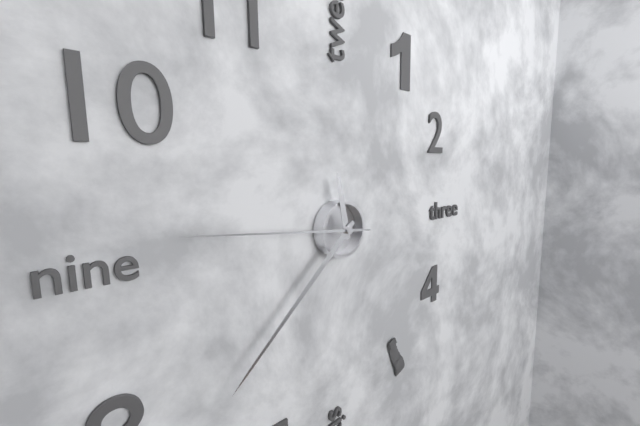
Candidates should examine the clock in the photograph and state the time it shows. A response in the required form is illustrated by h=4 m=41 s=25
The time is h=11 m=38 s=46
